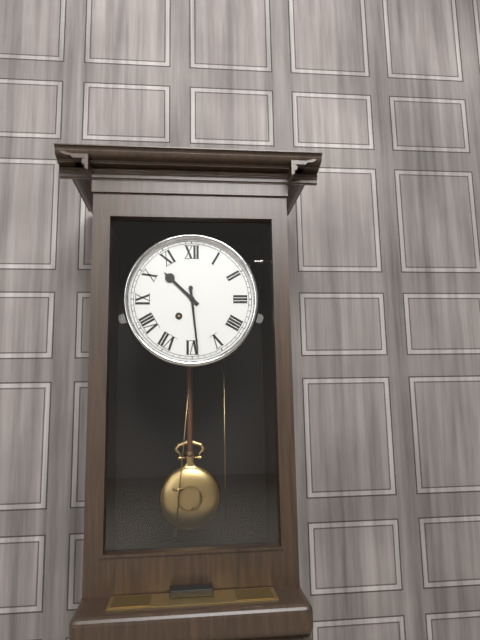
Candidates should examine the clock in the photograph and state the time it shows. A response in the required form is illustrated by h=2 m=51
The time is h=10 m=29
